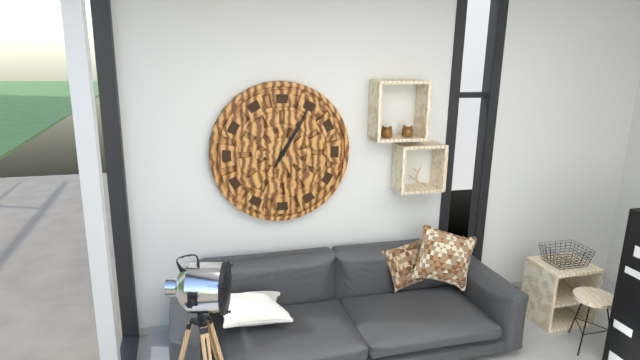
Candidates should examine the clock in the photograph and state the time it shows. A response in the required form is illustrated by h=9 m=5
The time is h=1 m=5
